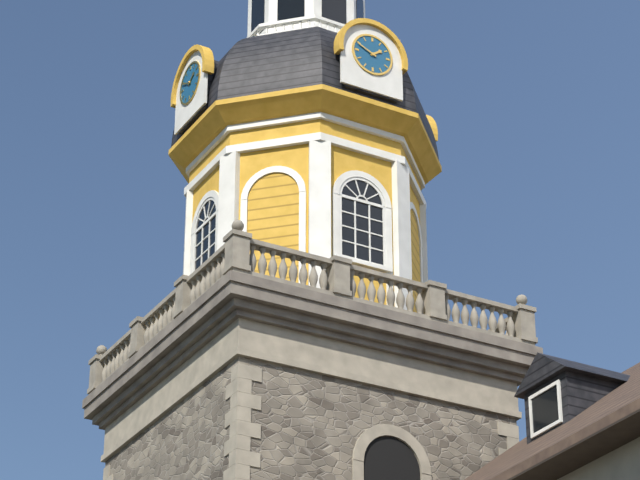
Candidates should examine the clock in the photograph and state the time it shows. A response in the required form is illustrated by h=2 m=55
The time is h=1 m=49
